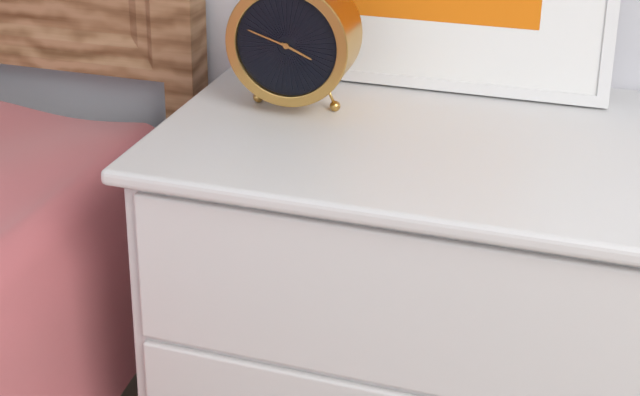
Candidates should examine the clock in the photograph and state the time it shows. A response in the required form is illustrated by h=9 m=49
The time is h=3 m=48
